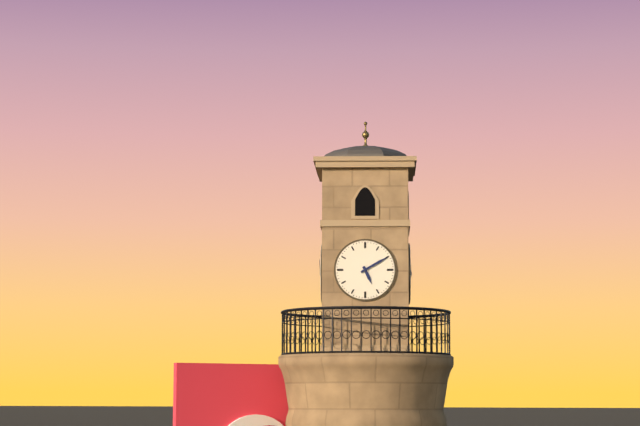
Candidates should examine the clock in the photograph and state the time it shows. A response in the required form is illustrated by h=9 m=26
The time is h=5 m=10
